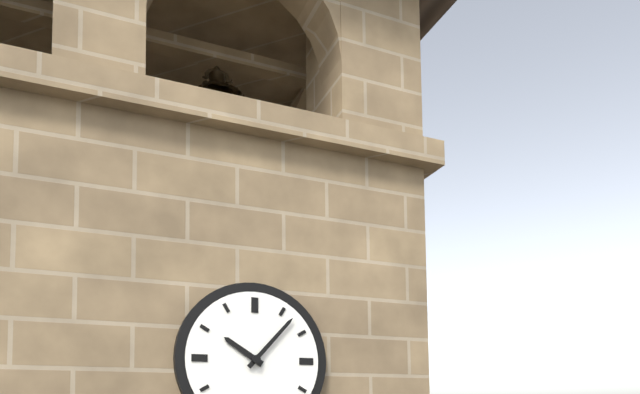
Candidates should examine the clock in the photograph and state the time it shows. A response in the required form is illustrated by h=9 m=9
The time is h=10 m=7
